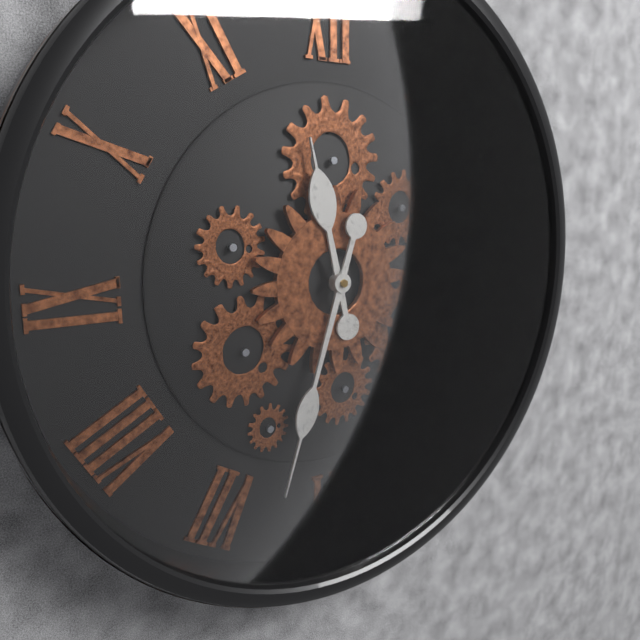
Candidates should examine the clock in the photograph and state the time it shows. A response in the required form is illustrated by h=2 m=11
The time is h=11 m=33
